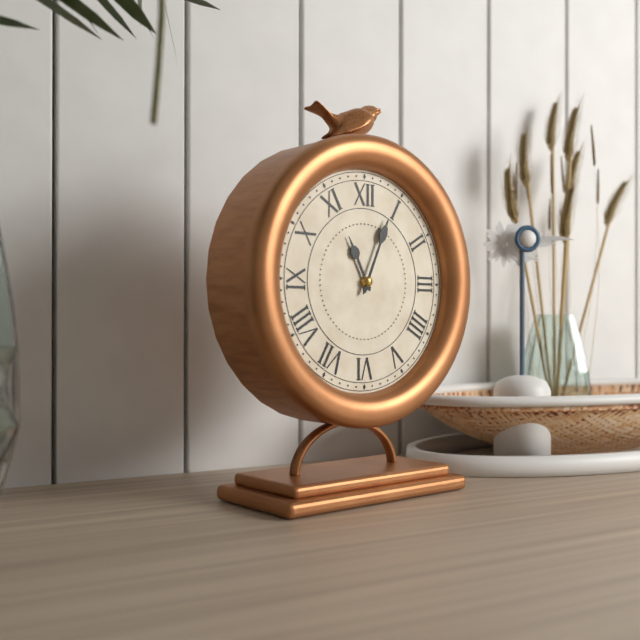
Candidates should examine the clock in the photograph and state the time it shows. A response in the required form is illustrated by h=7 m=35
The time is h=11 m=4
